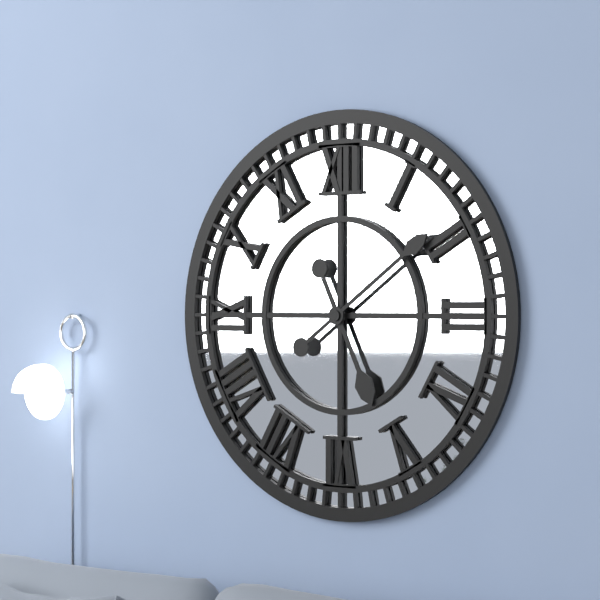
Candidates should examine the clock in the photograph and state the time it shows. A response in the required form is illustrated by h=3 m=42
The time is h=5 m=9
